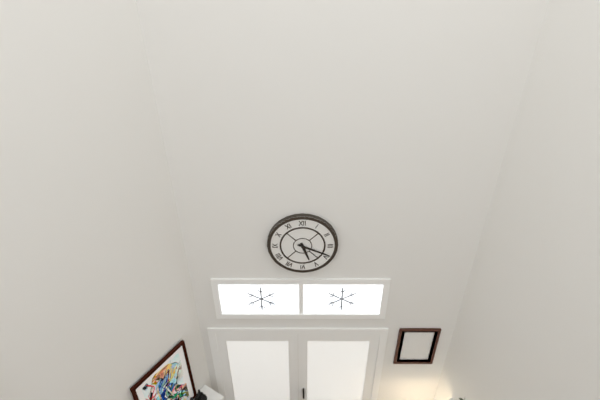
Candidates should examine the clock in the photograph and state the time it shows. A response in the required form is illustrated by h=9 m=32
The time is h=5 m=19
